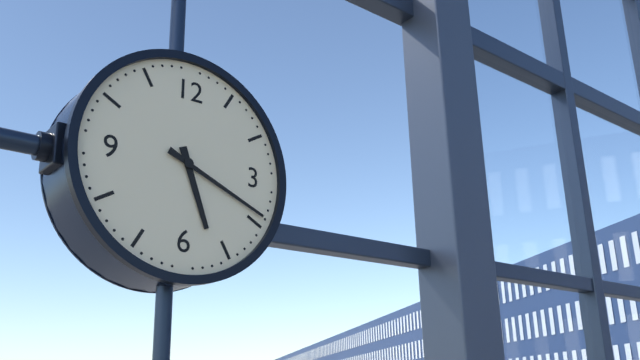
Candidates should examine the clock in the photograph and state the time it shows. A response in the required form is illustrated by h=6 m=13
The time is h=5 m=19
